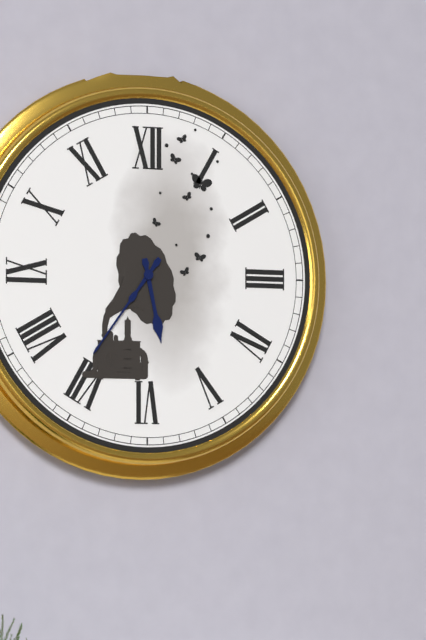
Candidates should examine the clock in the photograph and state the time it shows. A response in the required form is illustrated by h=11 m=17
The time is h=5 m=36
